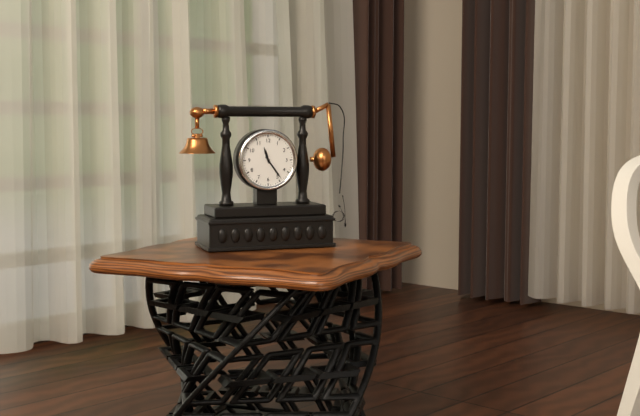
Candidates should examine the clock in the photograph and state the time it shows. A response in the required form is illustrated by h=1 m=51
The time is h=11 m=24
